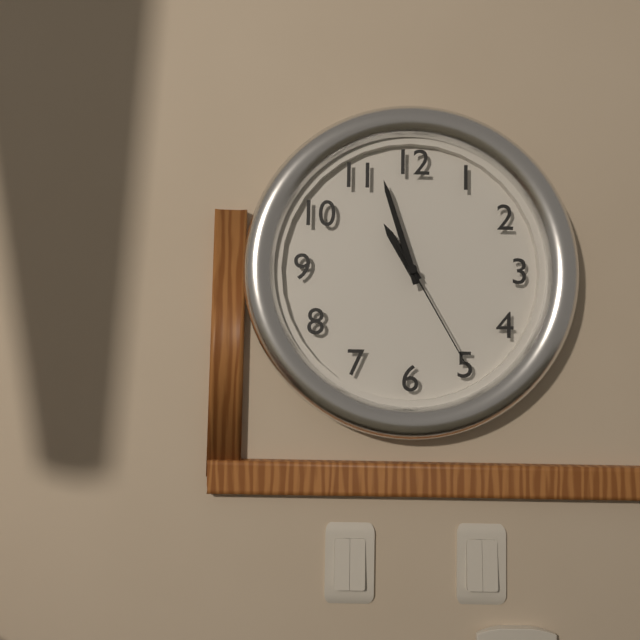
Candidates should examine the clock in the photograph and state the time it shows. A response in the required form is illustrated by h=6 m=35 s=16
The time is h=10 m=57 s=25
